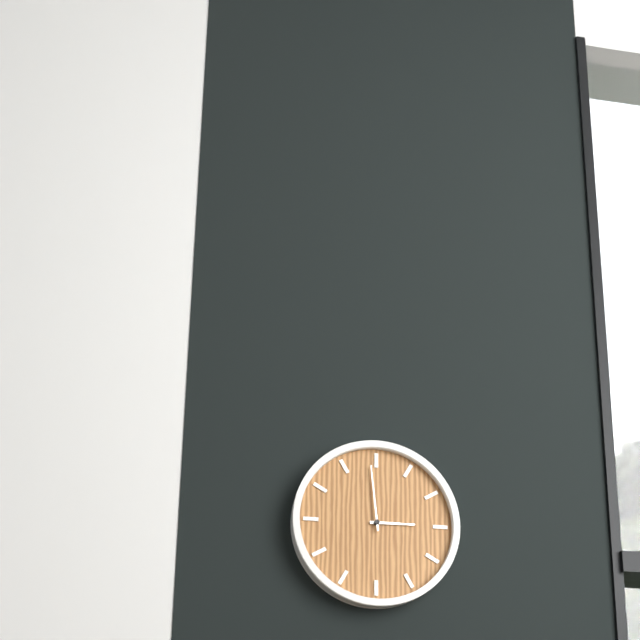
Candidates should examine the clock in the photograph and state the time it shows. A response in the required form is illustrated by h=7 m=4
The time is h=2 m=59
